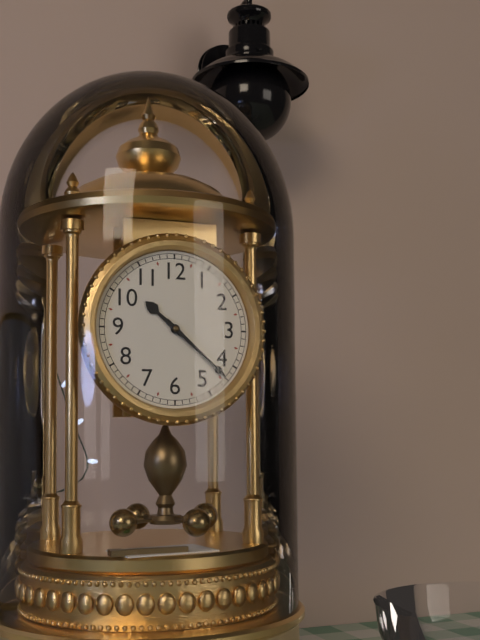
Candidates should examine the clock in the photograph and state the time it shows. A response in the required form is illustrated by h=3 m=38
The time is h=10 m=22
